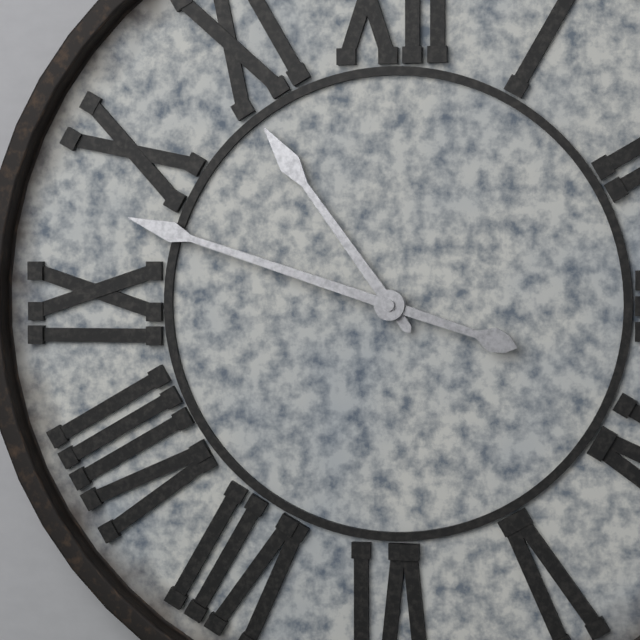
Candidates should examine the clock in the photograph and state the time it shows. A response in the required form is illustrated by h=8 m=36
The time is h=10 m=48
